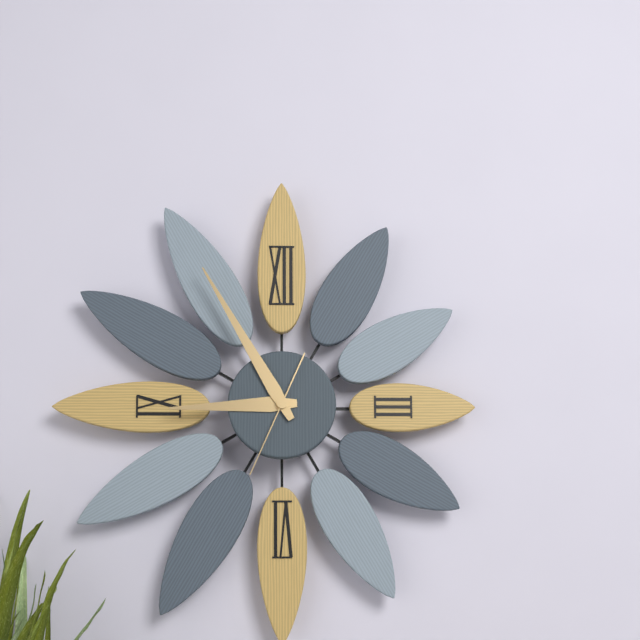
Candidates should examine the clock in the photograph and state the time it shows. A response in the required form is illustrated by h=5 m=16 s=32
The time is h=8 m=55 s=34
